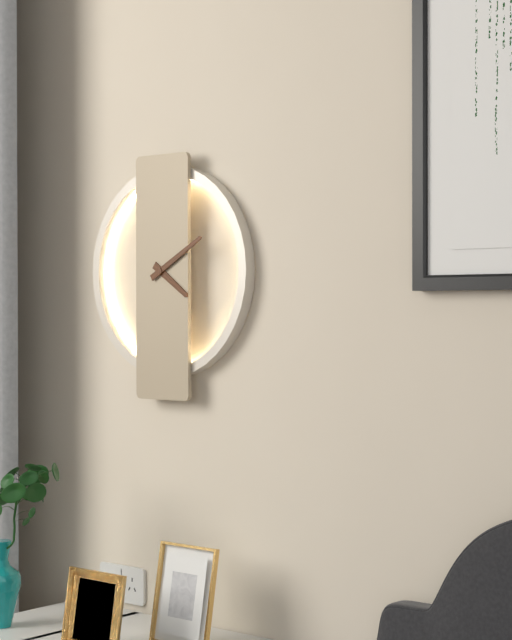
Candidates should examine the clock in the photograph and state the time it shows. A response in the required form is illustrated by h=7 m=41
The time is h=4 m=10
